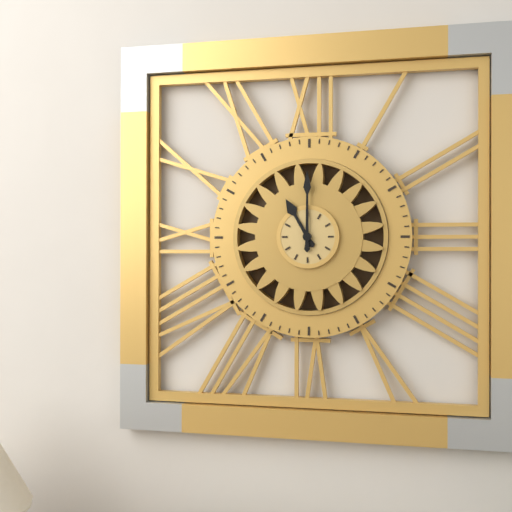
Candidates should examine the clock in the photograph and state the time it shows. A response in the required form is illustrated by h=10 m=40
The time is h=11 m=0
